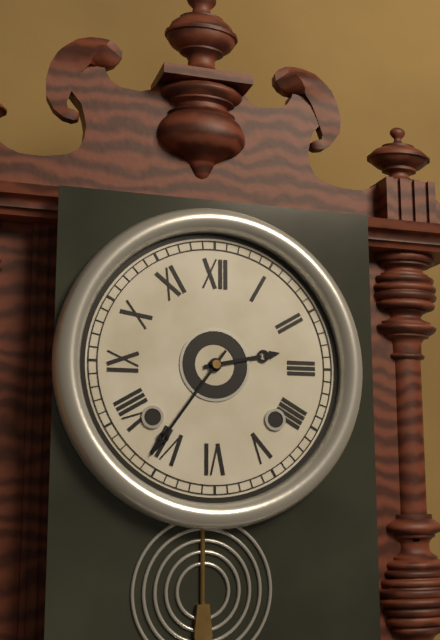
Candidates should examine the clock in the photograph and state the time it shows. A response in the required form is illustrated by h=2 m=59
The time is h=2 m=36
